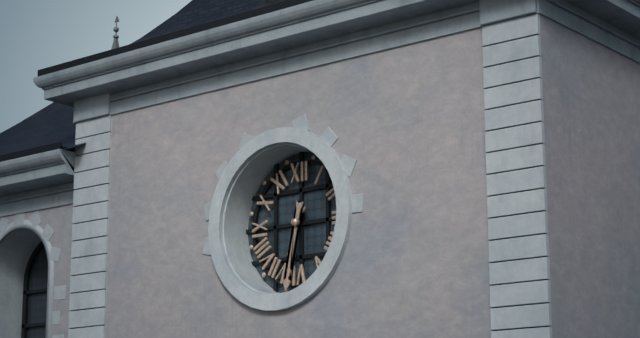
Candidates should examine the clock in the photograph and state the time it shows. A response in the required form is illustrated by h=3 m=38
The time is h=6 m=32
